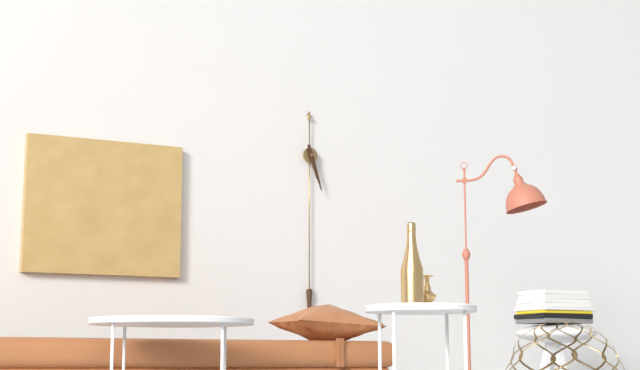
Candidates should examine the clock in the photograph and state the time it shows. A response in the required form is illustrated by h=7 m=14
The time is h=5 m=27
